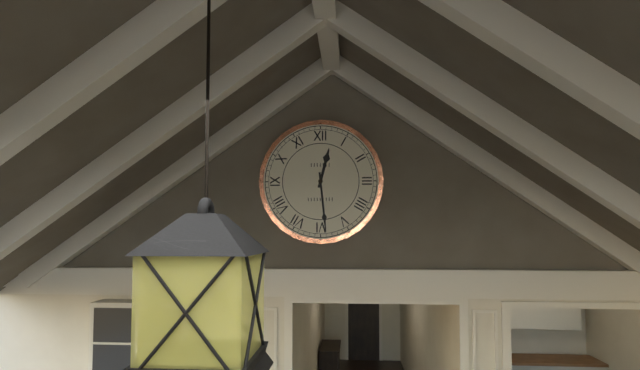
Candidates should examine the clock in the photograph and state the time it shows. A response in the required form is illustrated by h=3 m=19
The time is h=12 m=29
